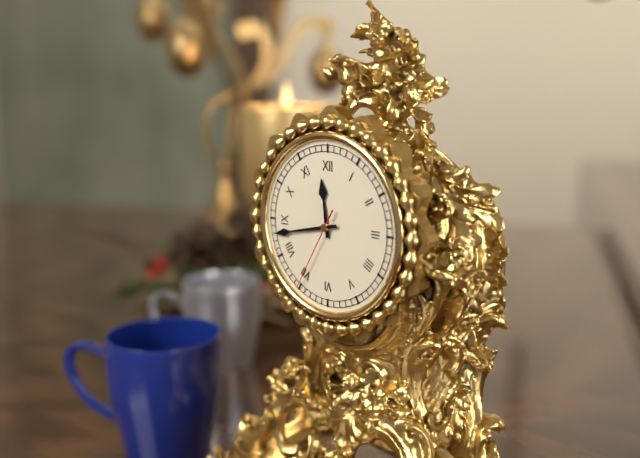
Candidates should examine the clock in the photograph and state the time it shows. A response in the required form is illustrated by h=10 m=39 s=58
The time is h=11 m=43 s=35
